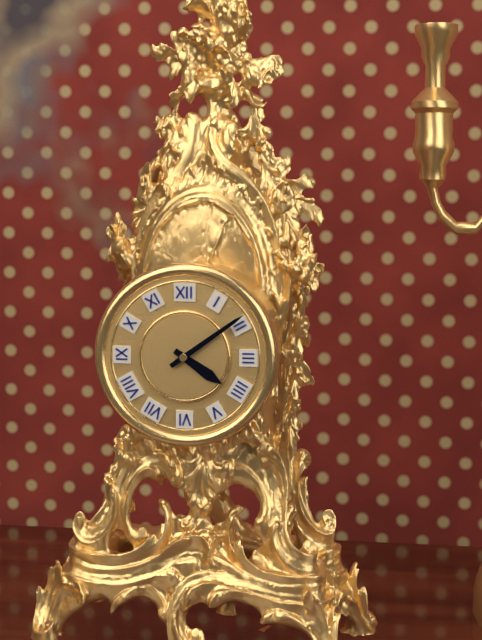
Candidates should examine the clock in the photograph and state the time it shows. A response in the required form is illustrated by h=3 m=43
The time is h=4 m=9
